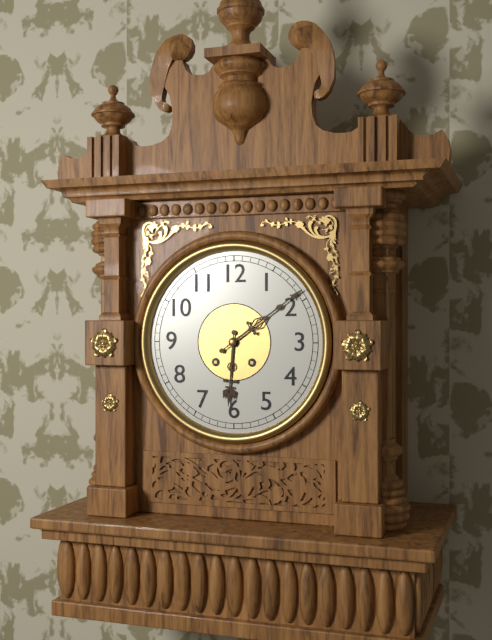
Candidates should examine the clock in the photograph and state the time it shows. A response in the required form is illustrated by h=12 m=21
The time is h=6 m=9
